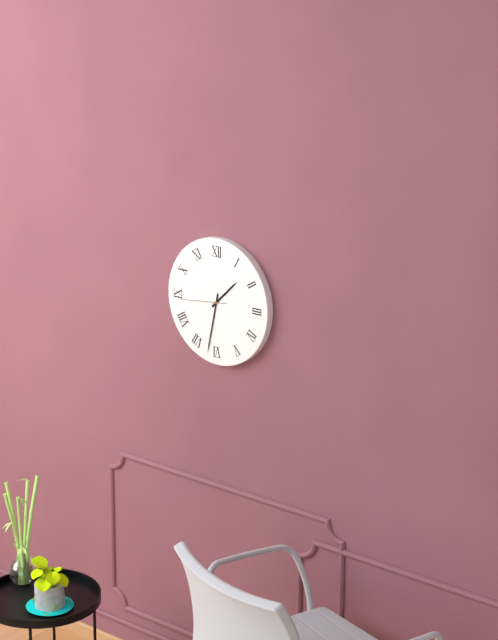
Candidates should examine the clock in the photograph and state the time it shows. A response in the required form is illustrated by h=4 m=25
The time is h=1 m=32
